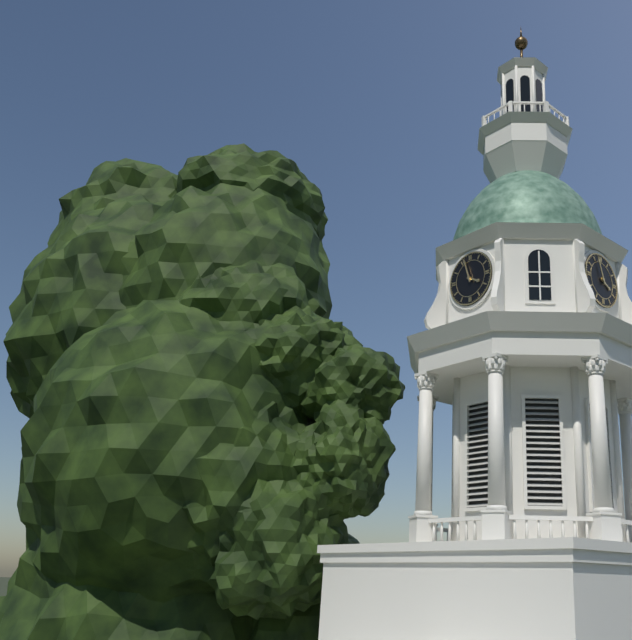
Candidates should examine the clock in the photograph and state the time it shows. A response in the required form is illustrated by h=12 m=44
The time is h=3 m=57
